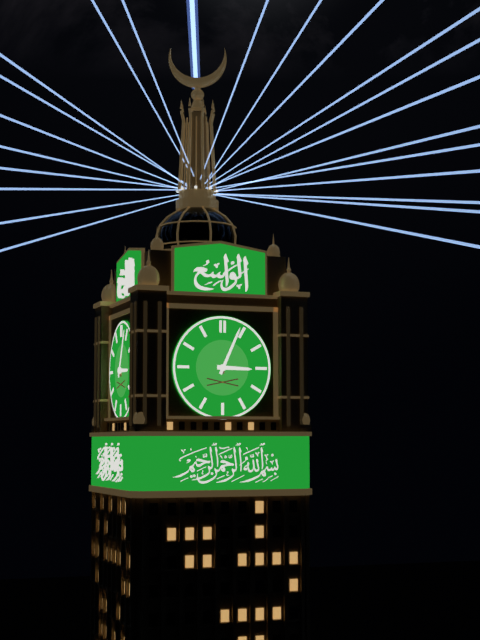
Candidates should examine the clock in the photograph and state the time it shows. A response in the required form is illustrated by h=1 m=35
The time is h=3 m=4
